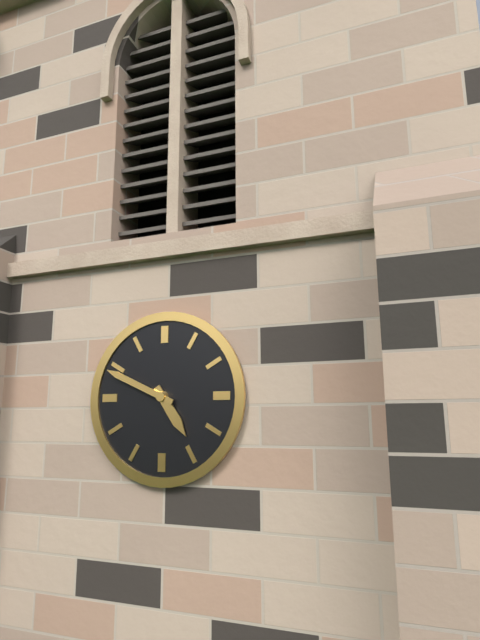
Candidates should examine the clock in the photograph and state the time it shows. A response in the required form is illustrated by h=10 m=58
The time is h=4 m=49
